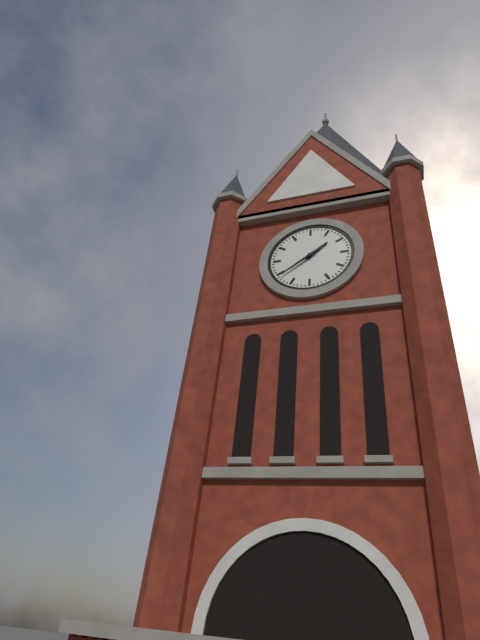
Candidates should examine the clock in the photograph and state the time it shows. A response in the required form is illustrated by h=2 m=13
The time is h=1 m=39
